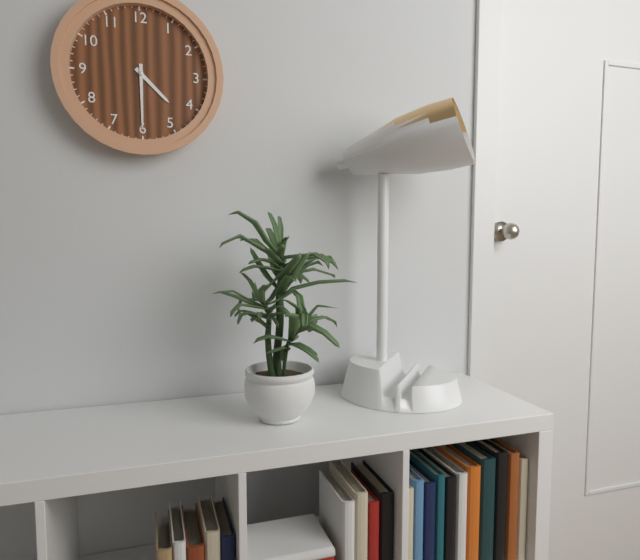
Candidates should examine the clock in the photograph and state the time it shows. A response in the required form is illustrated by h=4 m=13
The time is h=4 m=30
